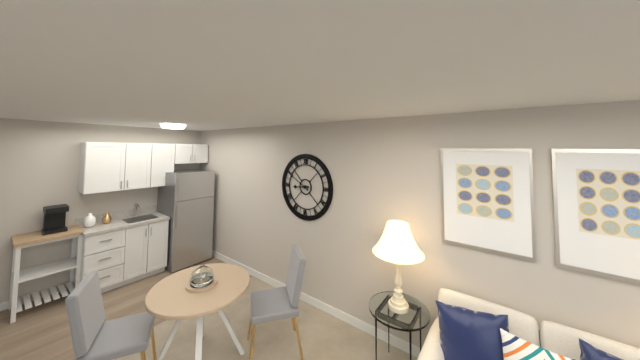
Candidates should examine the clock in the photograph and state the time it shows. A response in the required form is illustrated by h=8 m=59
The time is h=8 m=50
